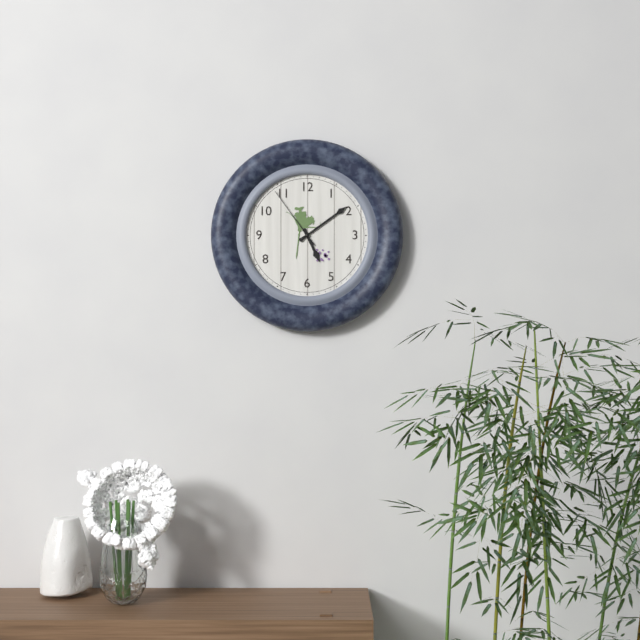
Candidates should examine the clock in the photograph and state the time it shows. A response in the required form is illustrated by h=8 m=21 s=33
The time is h=5 m=9 s=54
